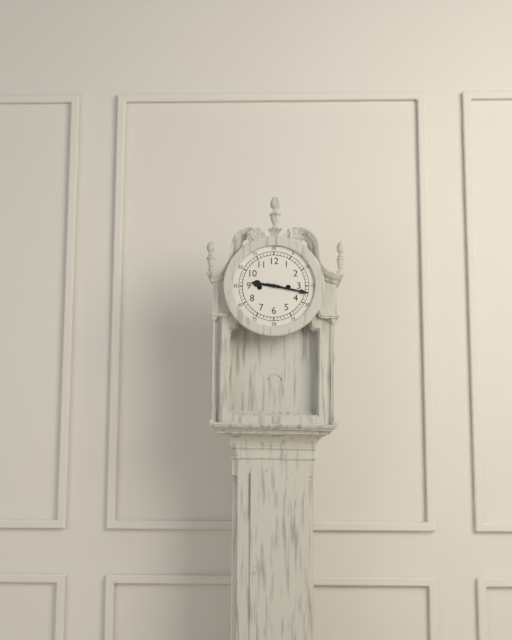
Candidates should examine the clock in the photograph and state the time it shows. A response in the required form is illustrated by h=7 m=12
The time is h=9 m=17
